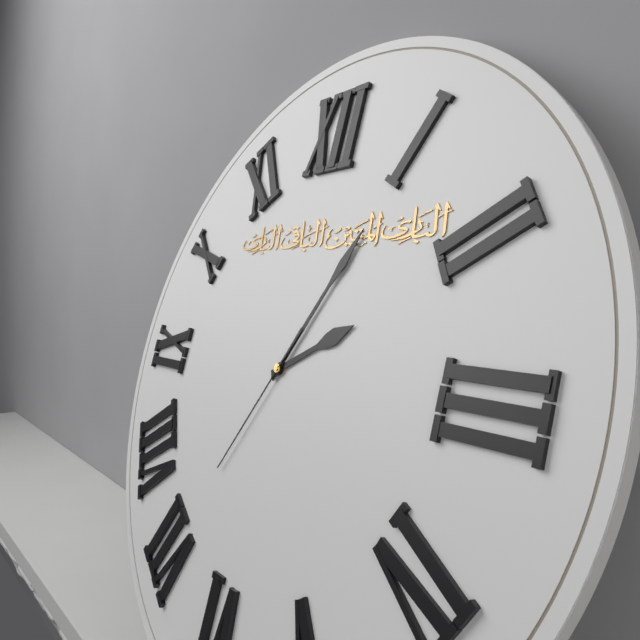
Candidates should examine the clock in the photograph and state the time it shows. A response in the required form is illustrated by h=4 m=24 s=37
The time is h=2 m=5 s=35
